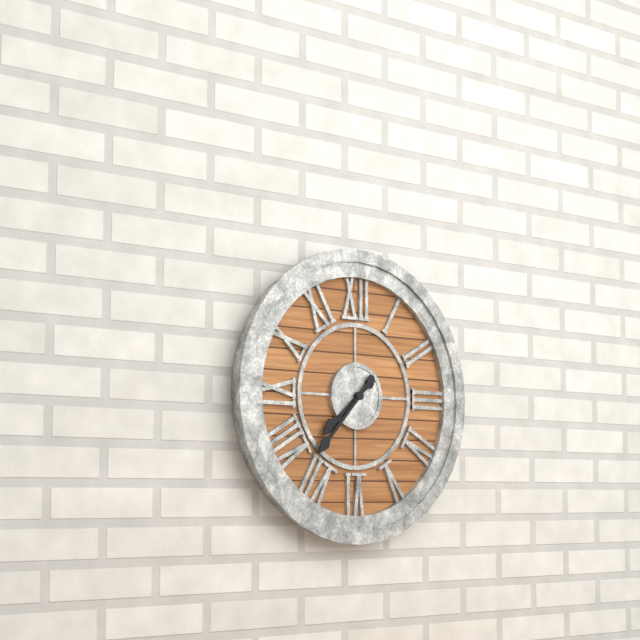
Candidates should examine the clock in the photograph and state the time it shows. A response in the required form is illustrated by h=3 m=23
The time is h=7 m=37
